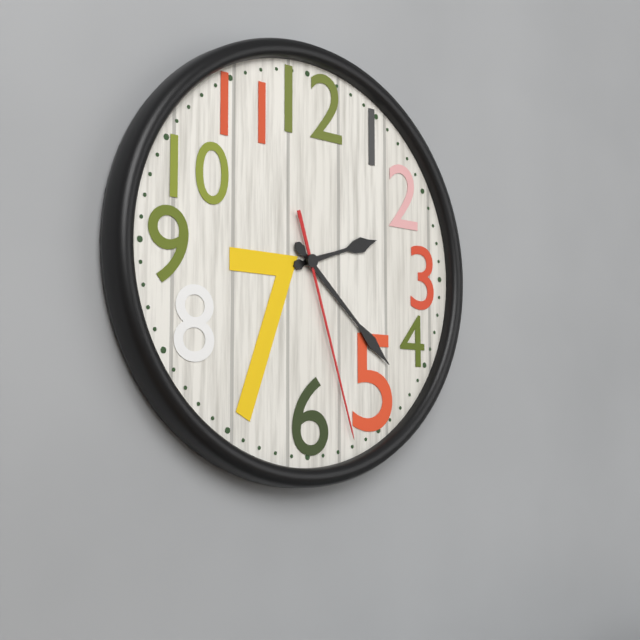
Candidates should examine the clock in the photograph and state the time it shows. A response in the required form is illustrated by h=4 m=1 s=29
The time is h=2 m=22 s=27
